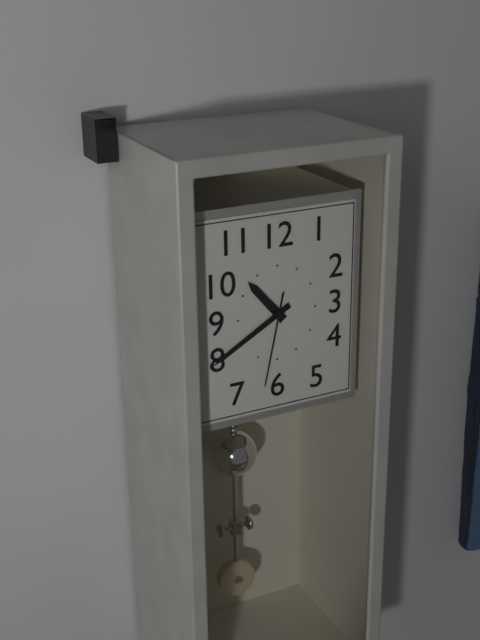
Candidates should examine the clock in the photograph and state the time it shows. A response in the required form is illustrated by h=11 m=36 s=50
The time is h=10 m=40 s=32
